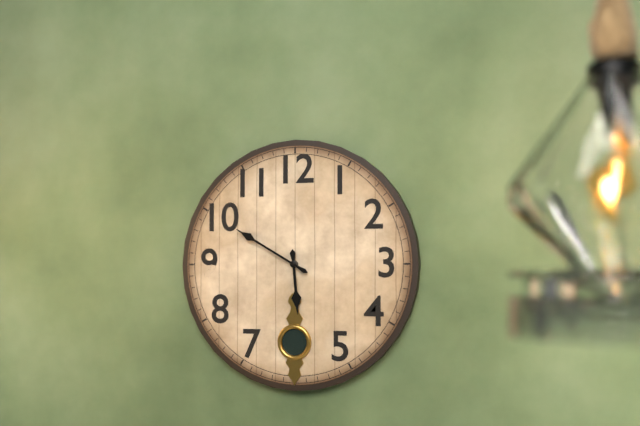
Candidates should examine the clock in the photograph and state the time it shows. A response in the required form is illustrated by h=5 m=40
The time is h=5 m=50
